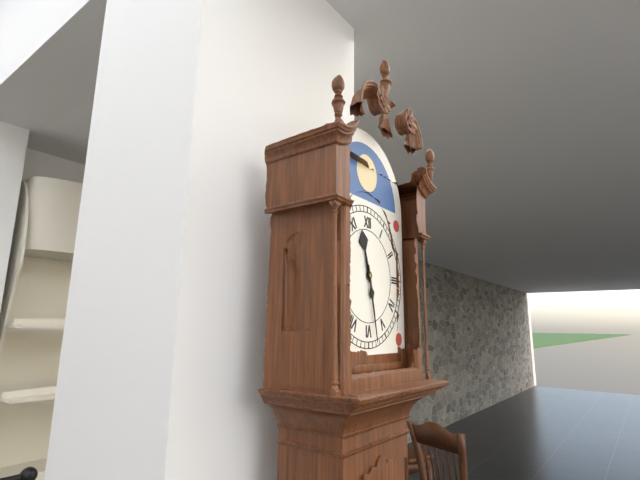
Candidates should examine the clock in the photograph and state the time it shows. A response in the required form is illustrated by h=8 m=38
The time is h=11 m=28
